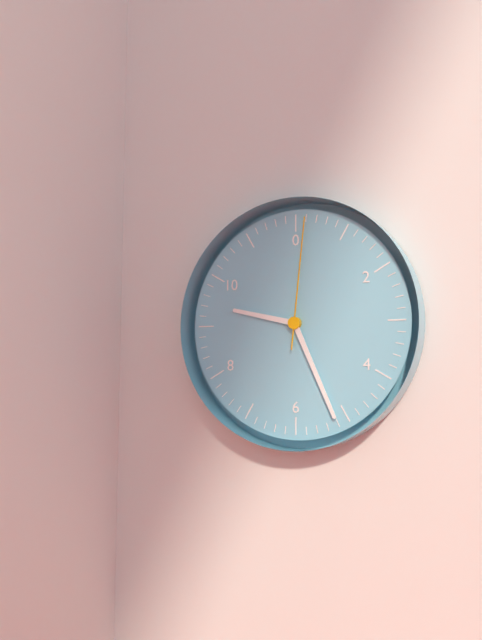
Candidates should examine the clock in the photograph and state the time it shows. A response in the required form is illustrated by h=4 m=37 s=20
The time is h=9 m=26 s=1
